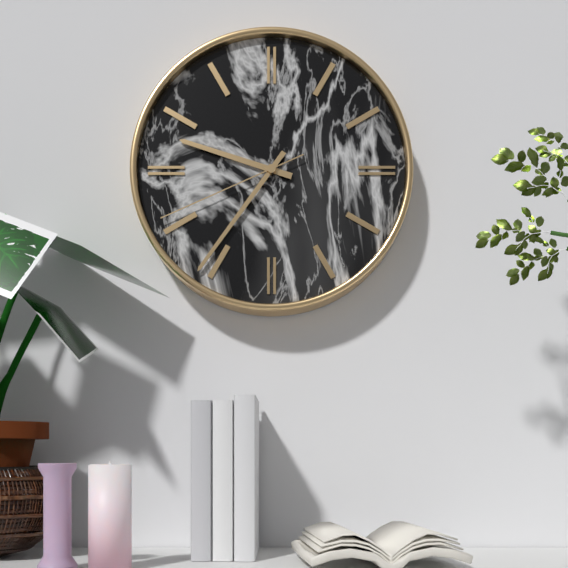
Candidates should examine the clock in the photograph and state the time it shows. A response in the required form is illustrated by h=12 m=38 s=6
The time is h=9 m=36 s=41
